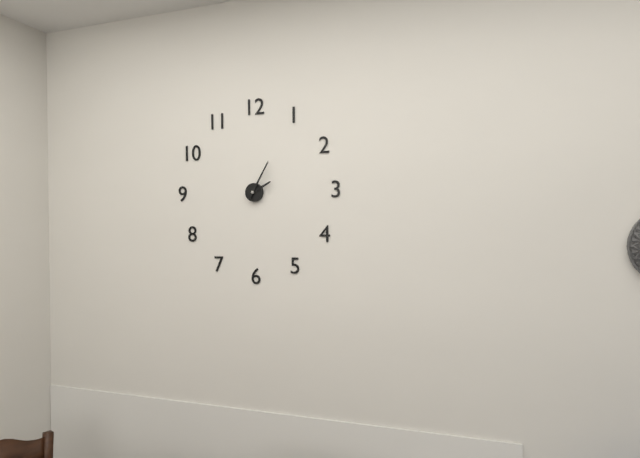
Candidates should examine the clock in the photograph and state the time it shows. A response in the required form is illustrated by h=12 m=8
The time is h=2 m=5
